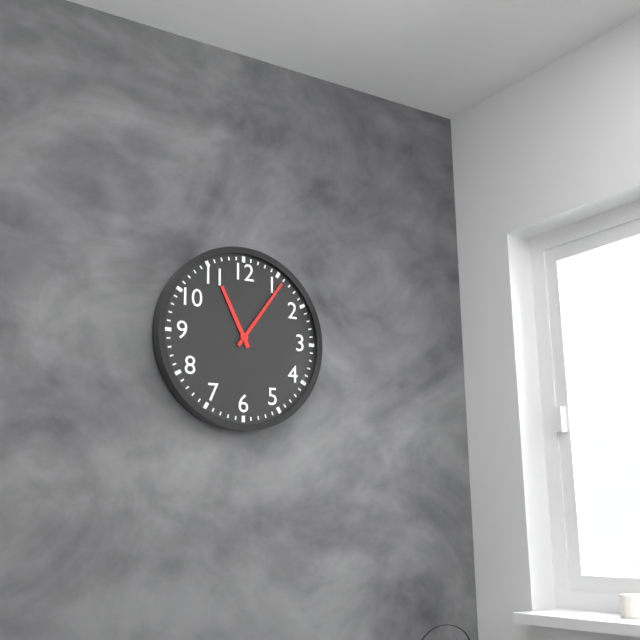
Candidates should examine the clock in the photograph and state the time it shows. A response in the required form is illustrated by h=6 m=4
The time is h=11 m=6
